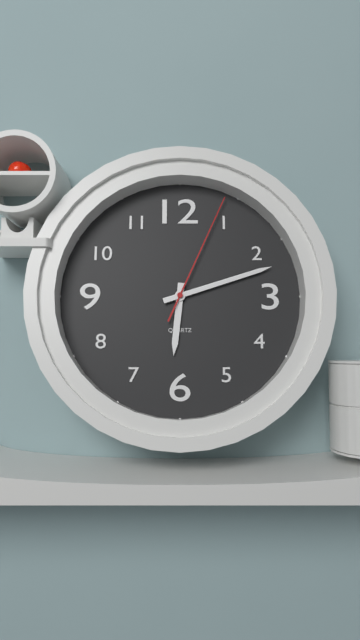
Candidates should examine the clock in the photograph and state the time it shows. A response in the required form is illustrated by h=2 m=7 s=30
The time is h=6 m=12 s=4
